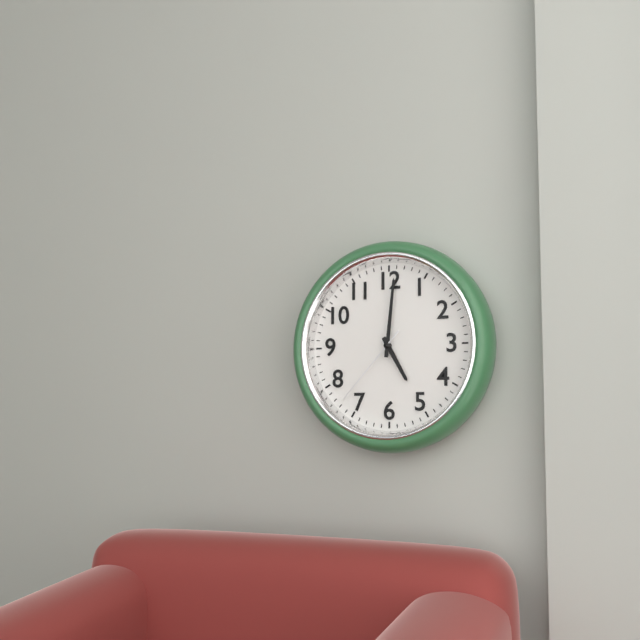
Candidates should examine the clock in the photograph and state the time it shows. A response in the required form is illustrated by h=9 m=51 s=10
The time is h=5 m=1 s=37
